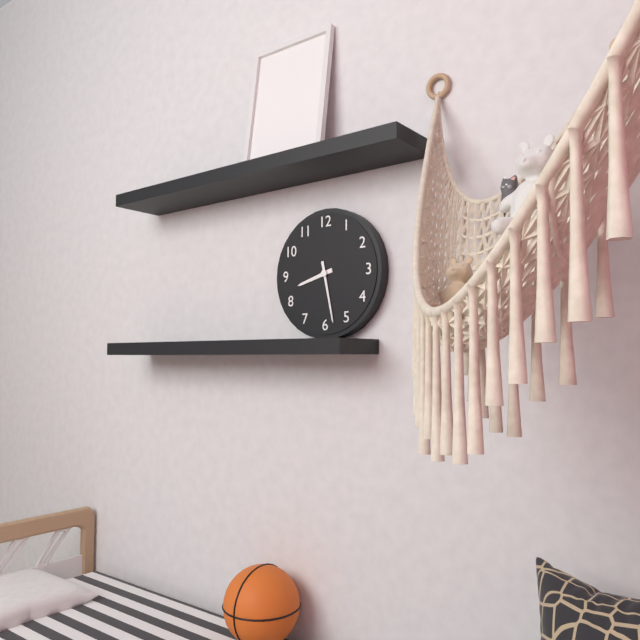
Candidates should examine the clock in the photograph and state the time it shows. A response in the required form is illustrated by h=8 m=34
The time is h=8 m=28
